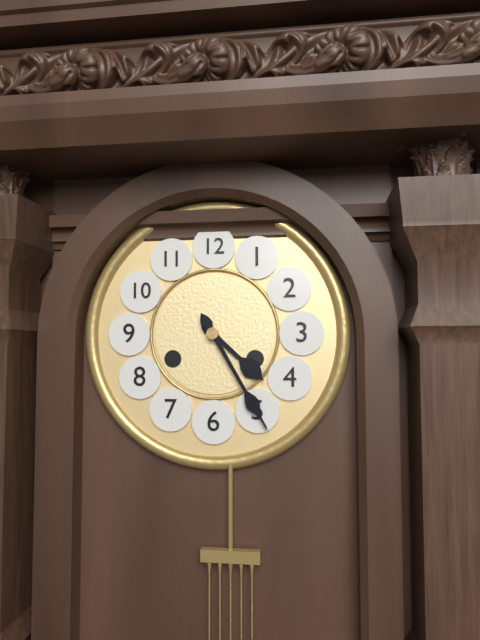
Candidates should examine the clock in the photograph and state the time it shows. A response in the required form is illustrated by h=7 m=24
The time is h=4 m=25
